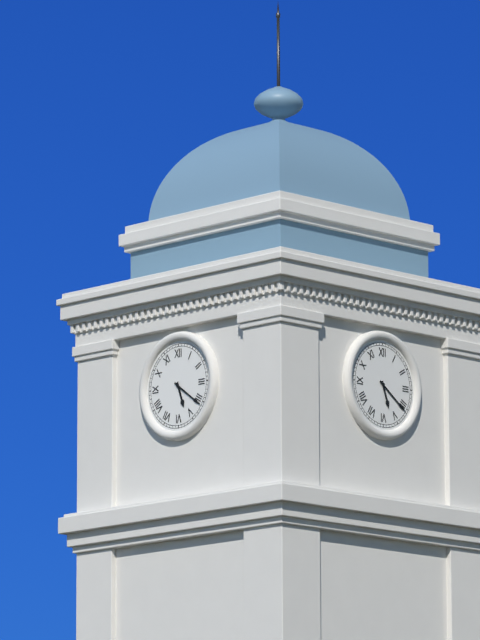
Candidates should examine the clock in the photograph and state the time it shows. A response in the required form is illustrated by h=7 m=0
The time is h=5 m=21
